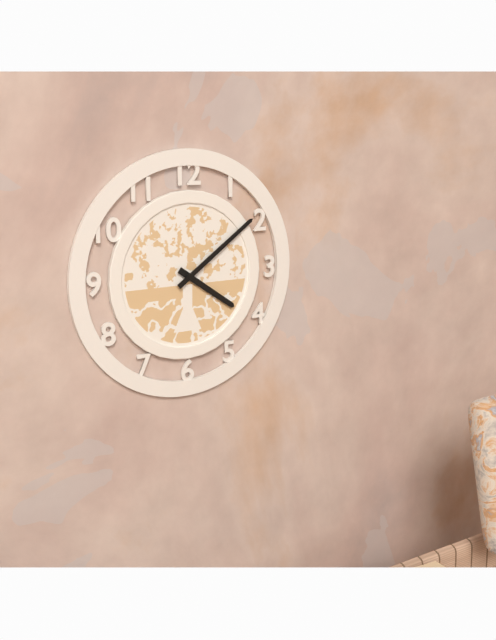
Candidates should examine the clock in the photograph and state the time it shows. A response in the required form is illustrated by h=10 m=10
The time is h=4 m=9
